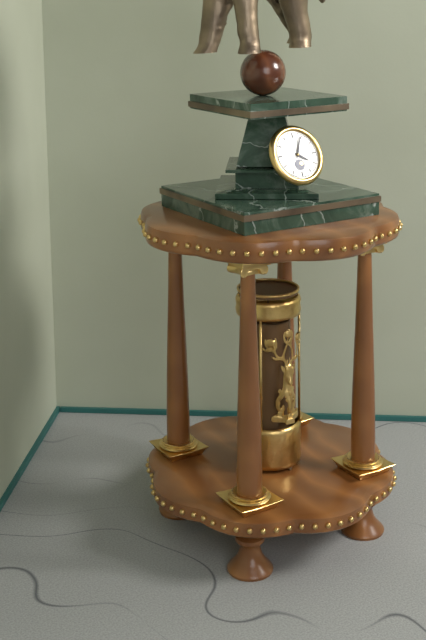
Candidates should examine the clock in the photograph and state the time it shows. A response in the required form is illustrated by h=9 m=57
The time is h=4 m=4
